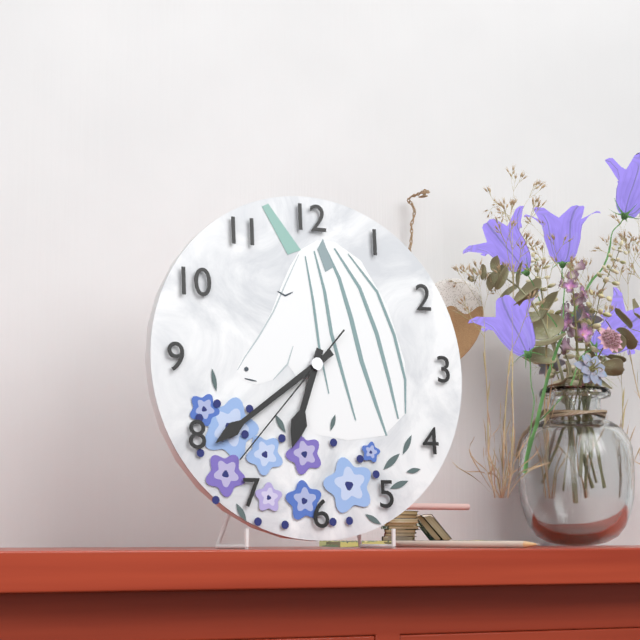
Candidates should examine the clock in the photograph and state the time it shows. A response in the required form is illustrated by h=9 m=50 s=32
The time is h=6 m=39 s=37
